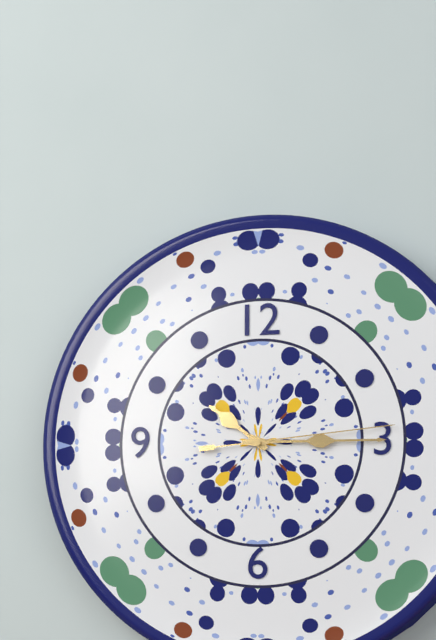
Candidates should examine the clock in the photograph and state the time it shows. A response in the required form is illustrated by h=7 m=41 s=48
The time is h=10 m=15 s=14
